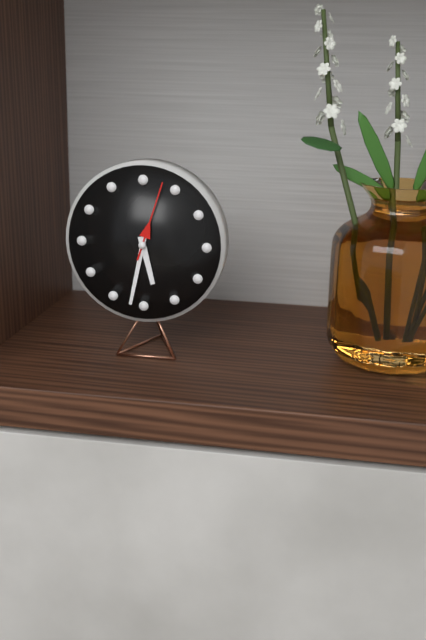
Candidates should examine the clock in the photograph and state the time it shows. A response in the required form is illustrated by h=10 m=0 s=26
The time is h=5 m=32 s=3
